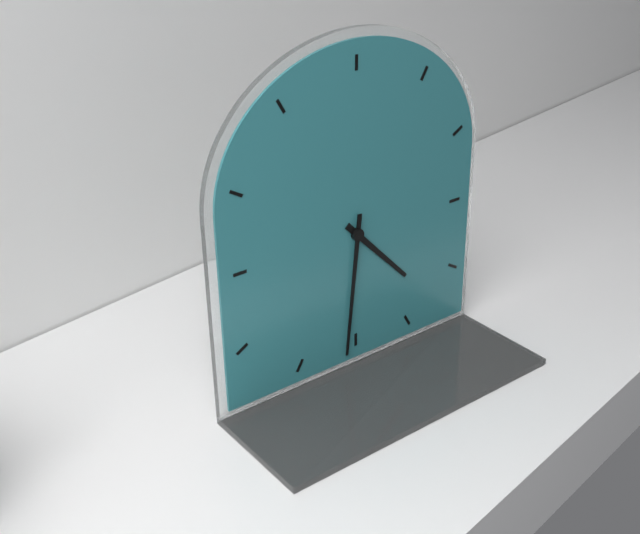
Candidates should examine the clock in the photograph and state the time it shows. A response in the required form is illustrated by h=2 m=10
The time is h=4 m=31
